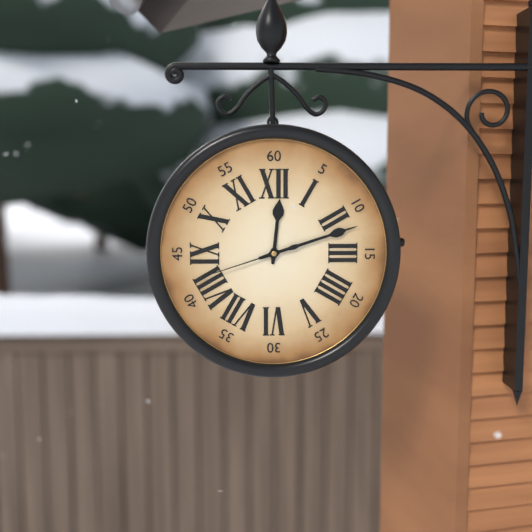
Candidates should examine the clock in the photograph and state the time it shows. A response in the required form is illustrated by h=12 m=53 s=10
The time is h=12 m=12 s=42
